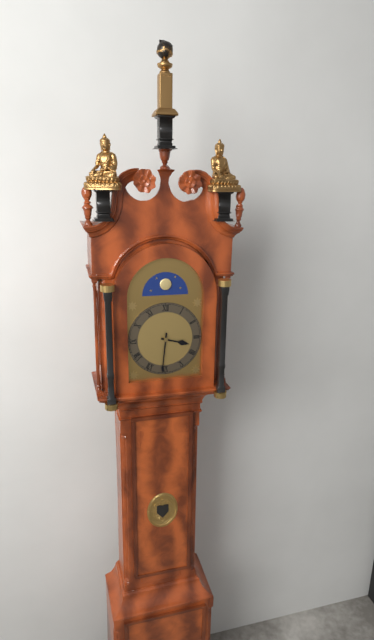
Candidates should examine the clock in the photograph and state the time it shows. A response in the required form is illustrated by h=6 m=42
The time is h=3 m=31
